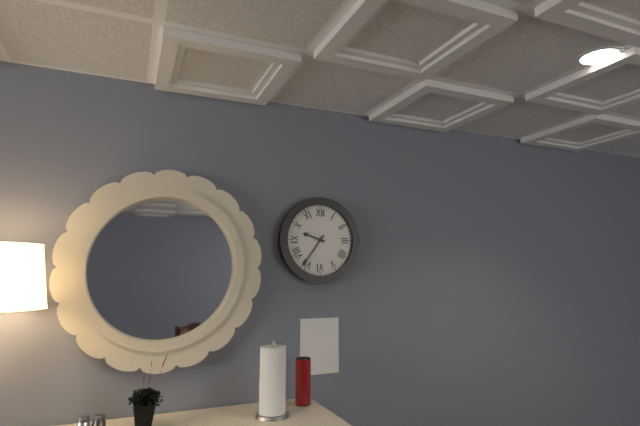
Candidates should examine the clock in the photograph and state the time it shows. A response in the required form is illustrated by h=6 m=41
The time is h=9 m=36
